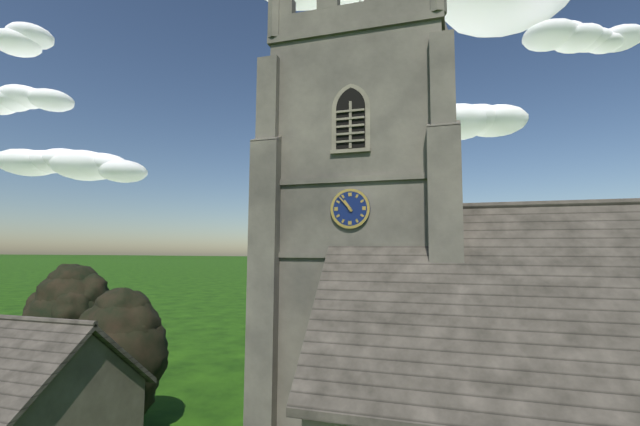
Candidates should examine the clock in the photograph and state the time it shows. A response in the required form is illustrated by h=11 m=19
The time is h=10 m=53
